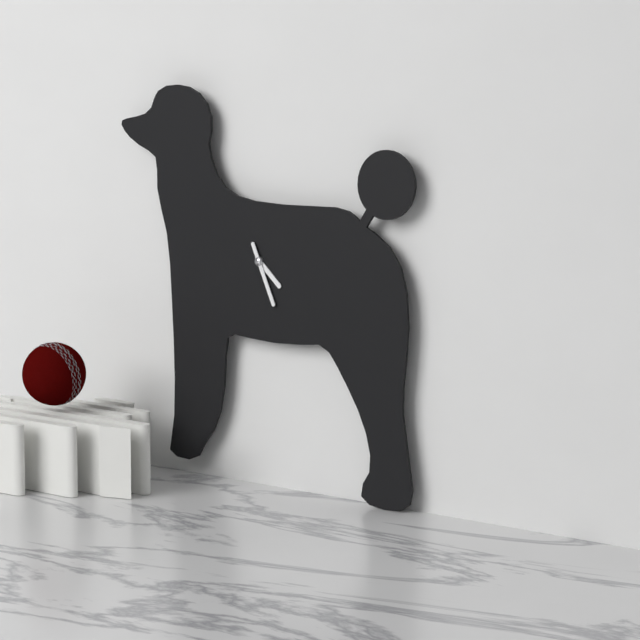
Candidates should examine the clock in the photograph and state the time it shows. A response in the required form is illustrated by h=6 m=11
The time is h=4 m=26
